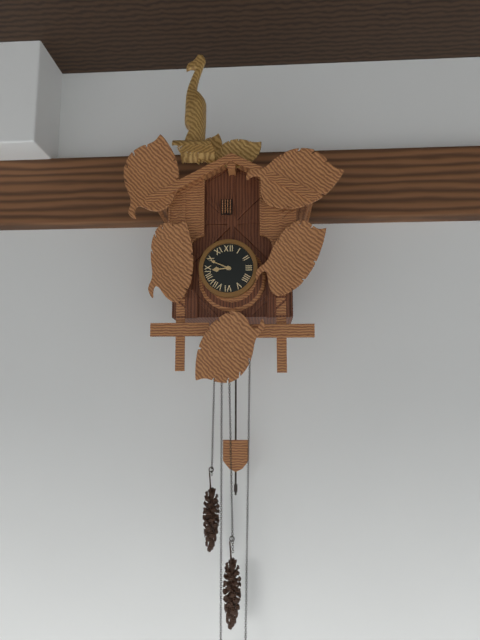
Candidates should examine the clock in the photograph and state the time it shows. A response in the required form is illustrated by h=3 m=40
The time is h=8 m=49
